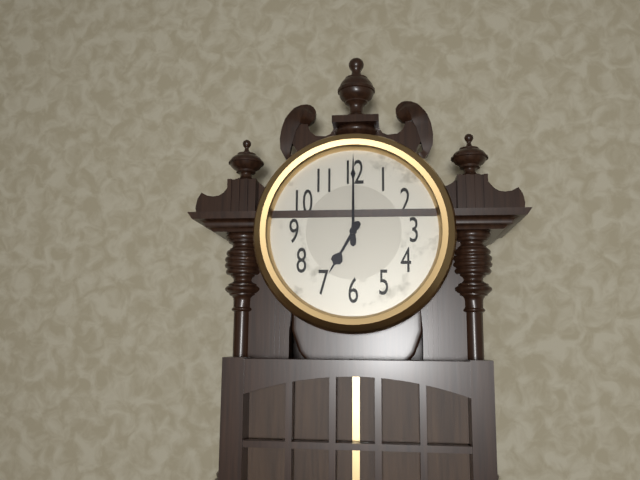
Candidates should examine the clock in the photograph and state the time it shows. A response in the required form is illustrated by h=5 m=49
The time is h=7 m=0
